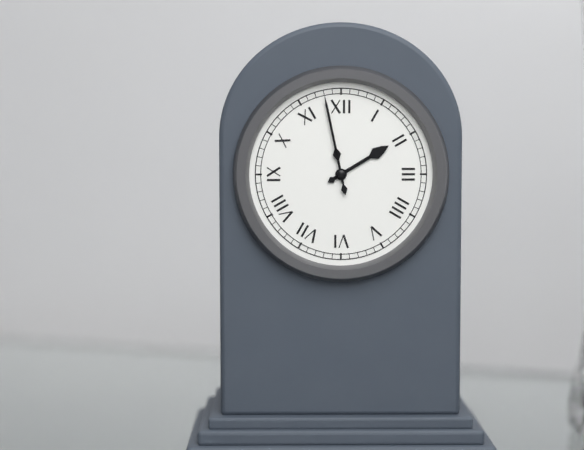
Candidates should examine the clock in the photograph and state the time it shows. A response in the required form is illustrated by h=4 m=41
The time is h=1 m=58
